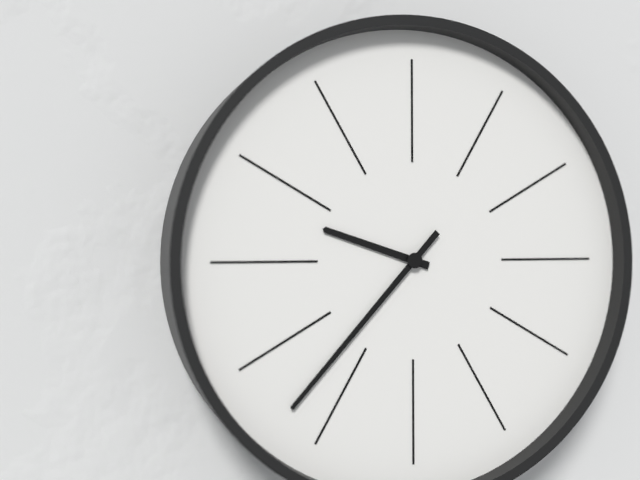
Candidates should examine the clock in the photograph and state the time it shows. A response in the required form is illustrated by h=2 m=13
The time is h=9 m=37
